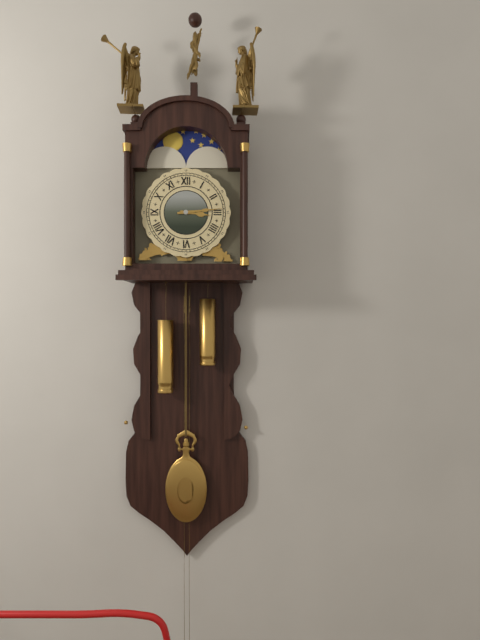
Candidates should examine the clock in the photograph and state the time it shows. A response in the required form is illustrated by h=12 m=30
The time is h=3 m=14
